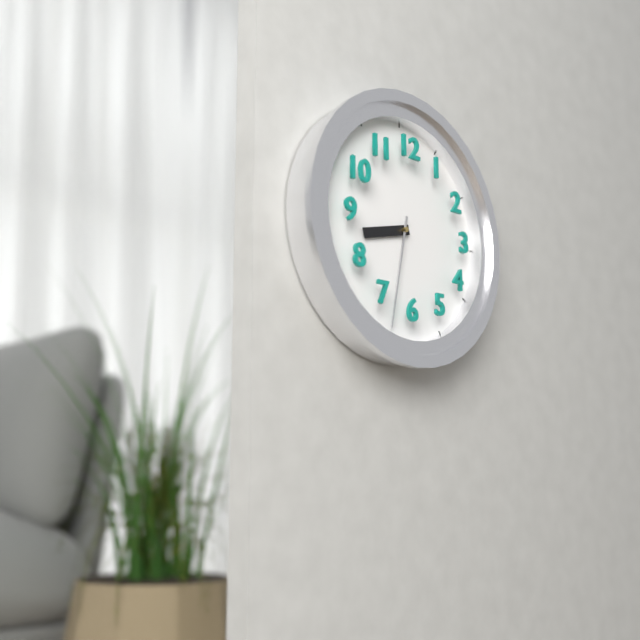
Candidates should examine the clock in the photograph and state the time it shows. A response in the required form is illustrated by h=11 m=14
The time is h=8 m=32
